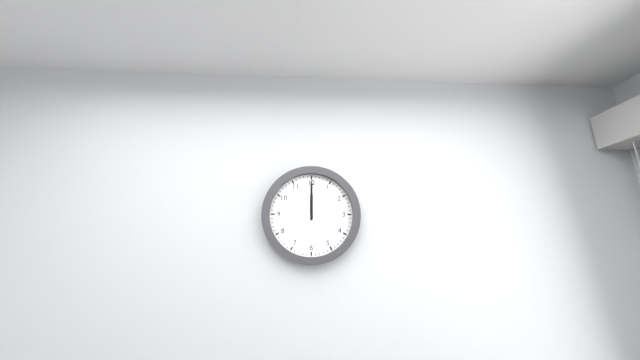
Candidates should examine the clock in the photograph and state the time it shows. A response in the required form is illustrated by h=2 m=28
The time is h=12 m=0
